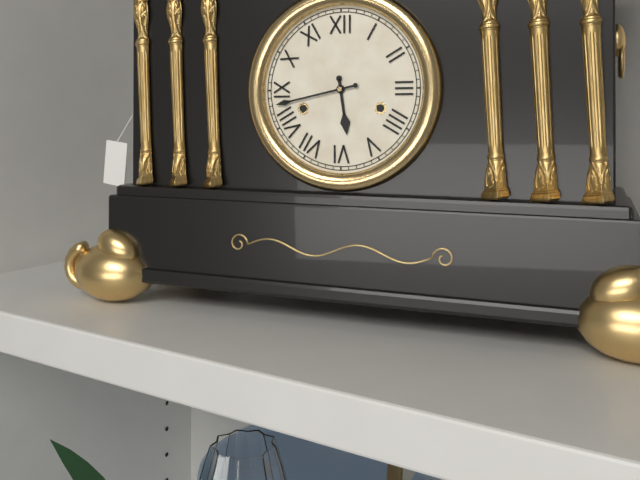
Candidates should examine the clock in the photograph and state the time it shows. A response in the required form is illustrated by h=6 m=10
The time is h=5 m=43
